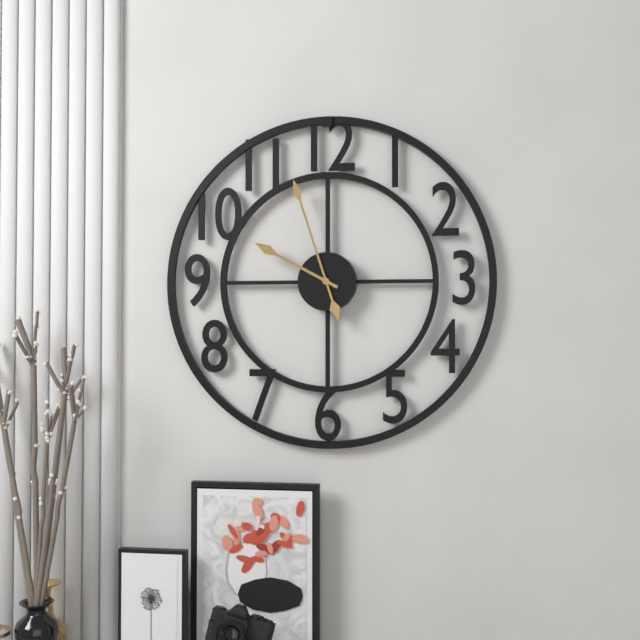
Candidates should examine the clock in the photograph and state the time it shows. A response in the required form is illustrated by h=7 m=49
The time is h=9 m=57
